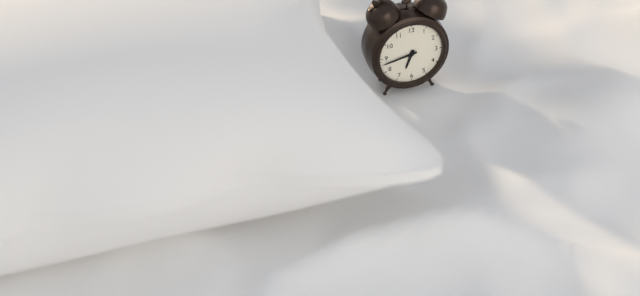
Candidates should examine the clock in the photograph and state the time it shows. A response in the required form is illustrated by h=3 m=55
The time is h=6 m=43
